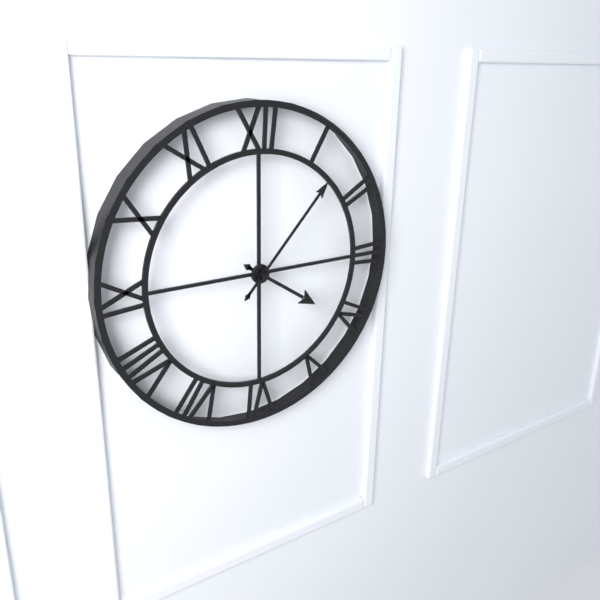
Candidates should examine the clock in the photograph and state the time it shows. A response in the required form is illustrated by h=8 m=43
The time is h=4 m=7
